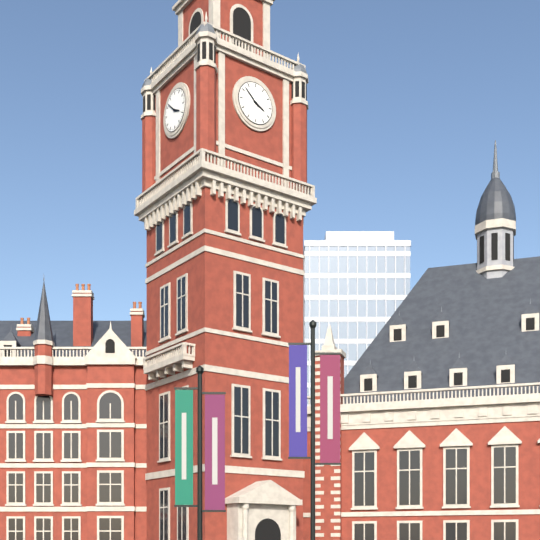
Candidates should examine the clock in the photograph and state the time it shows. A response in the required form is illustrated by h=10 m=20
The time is h=3 m=52
